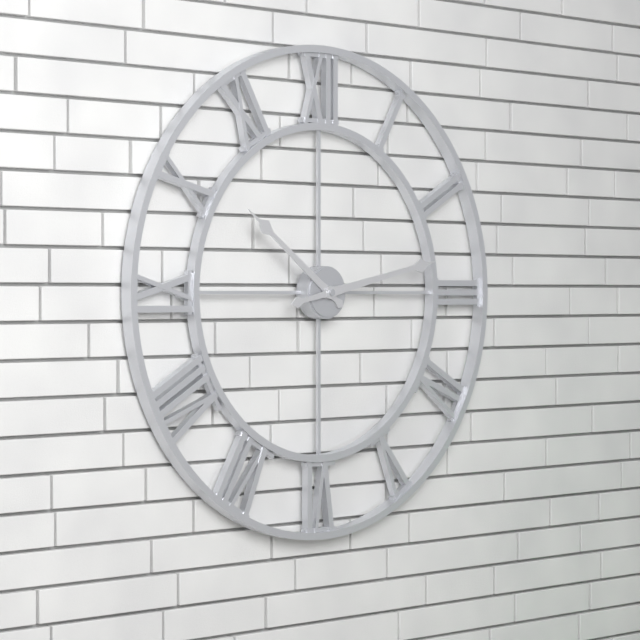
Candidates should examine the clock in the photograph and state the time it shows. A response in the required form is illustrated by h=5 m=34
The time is h=10 m=13
